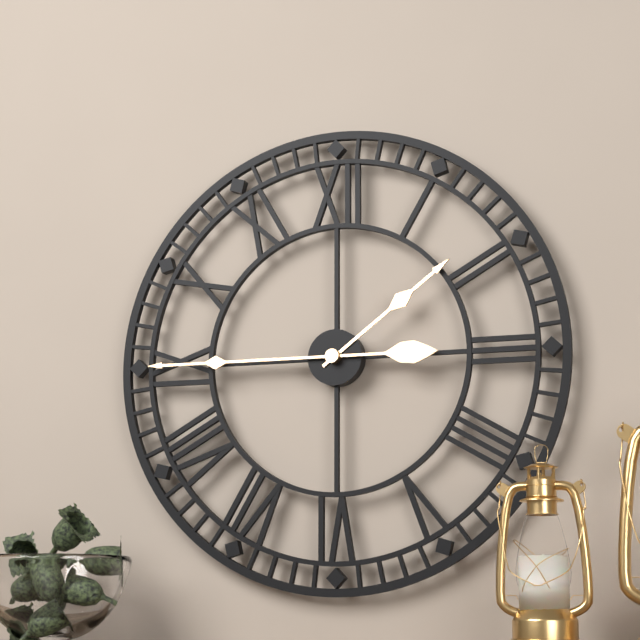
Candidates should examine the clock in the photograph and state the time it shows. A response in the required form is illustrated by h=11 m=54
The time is h=1 m=45
